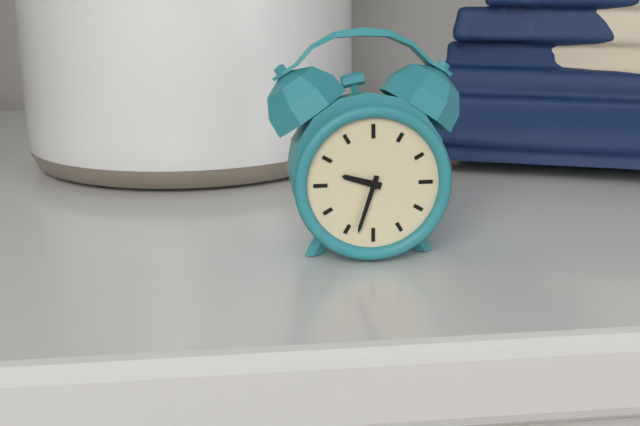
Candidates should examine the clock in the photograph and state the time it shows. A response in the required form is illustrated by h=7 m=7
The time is h=9 m=33
